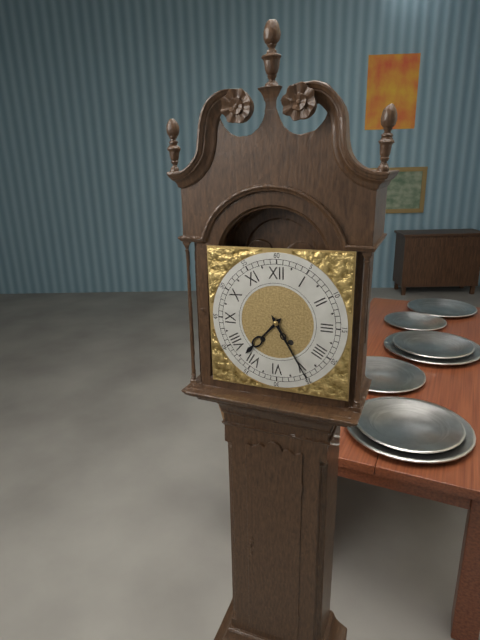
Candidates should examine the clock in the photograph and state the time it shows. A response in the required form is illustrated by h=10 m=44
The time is h=7 m=25
